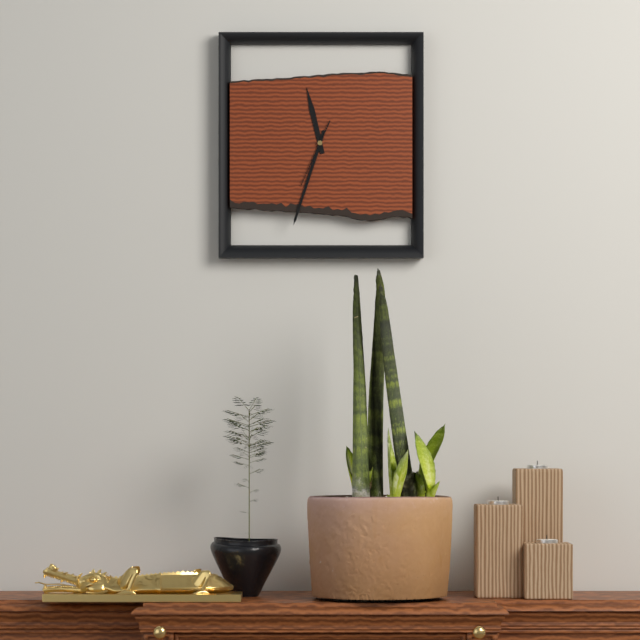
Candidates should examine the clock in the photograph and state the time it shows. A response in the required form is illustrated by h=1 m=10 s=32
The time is h=11 m=33 s=34
